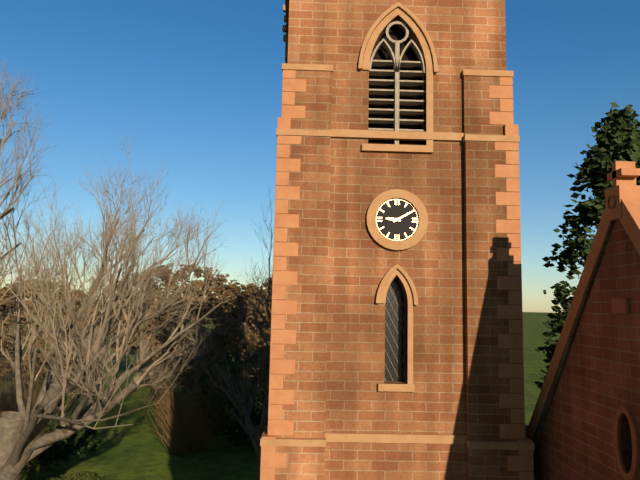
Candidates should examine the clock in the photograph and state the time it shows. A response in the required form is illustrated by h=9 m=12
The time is h=9 m=10
